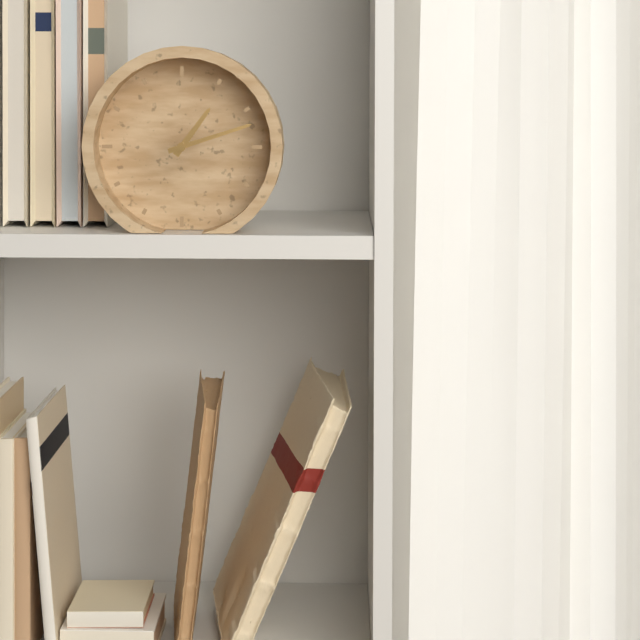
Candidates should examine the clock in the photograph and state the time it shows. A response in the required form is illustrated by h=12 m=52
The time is h=1 m=12
